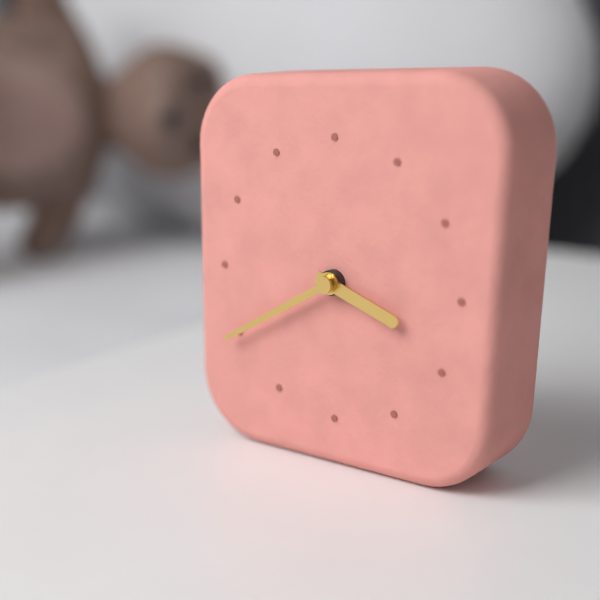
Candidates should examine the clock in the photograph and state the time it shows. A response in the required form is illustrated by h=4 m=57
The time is h=3 m=40
